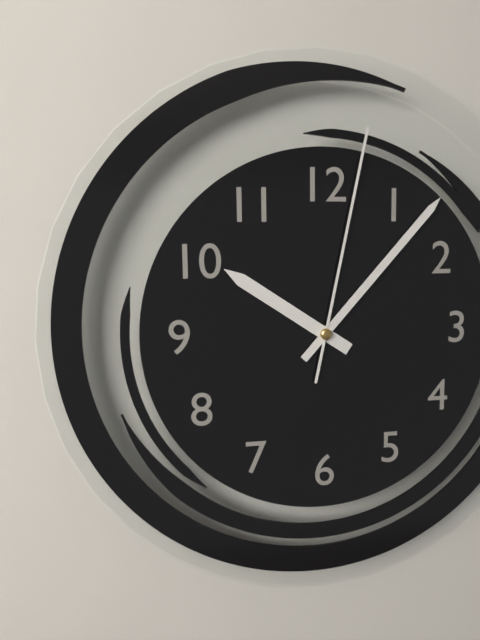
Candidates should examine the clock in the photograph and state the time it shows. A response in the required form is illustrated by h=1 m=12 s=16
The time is h=10 m=7 s=2
